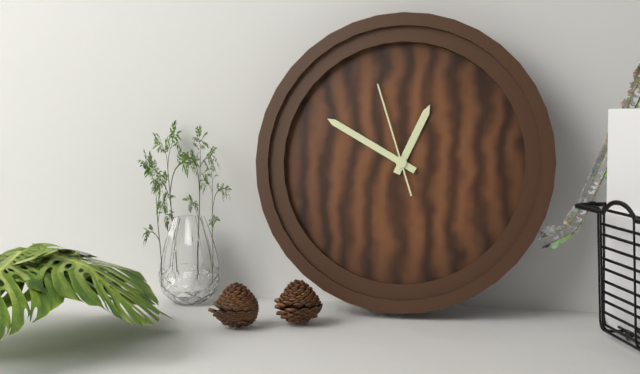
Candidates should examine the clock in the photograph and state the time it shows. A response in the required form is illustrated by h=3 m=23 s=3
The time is h=12 m=50 s=57
